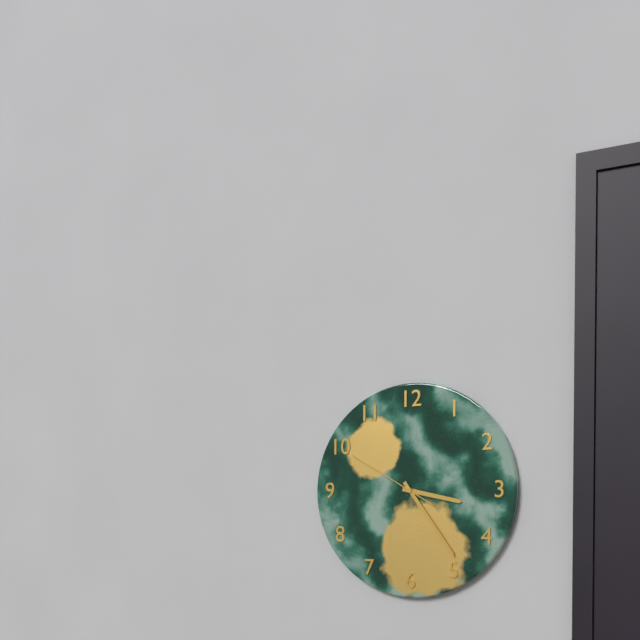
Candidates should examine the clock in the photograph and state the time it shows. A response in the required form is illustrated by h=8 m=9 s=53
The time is h=3 m=24 s=50
